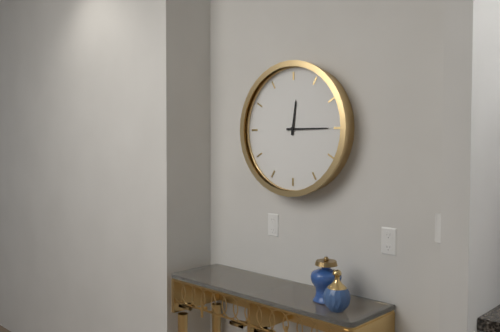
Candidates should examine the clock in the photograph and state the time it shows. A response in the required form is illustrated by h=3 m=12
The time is h=12 m=15
